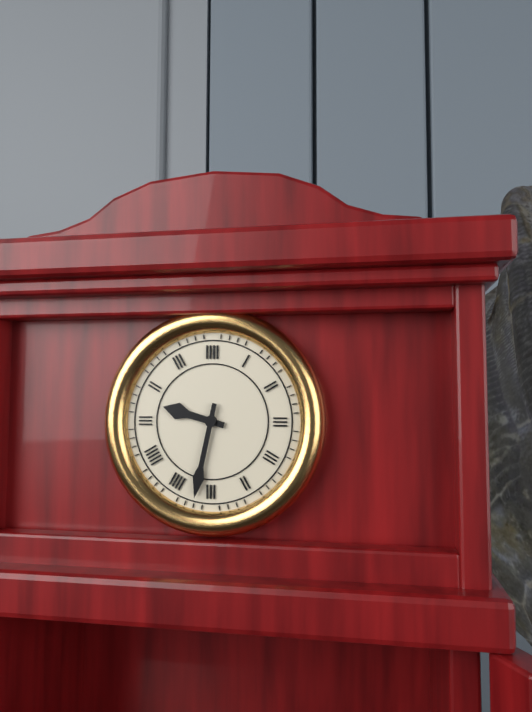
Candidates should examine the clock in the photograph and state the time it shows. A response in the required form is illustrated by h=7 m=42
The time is h=9 m=32
